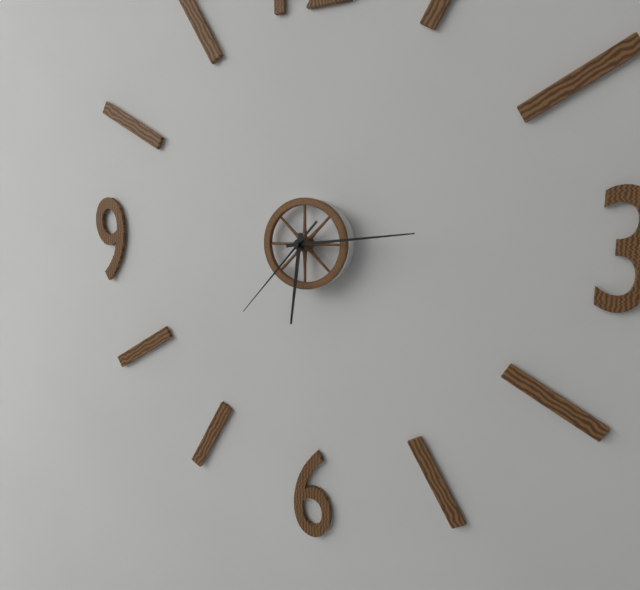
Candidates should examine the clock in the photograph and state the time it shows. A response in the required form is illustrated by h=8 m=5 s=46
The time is h=6 m=14 s=37
